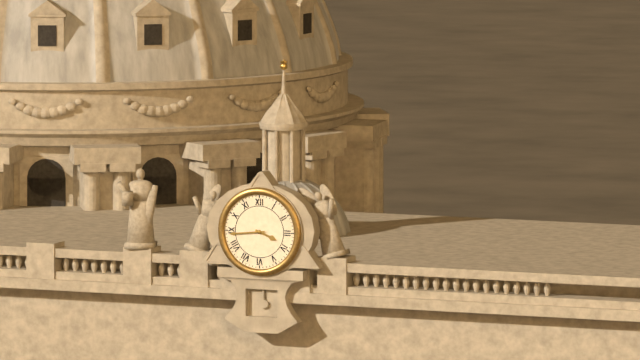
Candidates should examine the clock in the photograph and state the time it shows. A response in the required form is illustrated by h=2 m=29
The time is h=3 m=44
